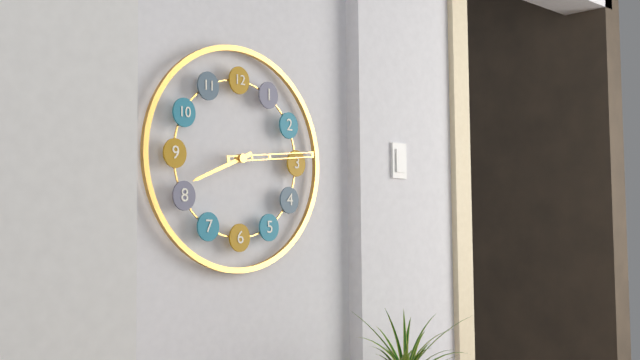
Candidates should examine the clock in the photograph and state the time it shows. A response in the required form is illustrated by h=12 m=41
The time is h=8 m=14
